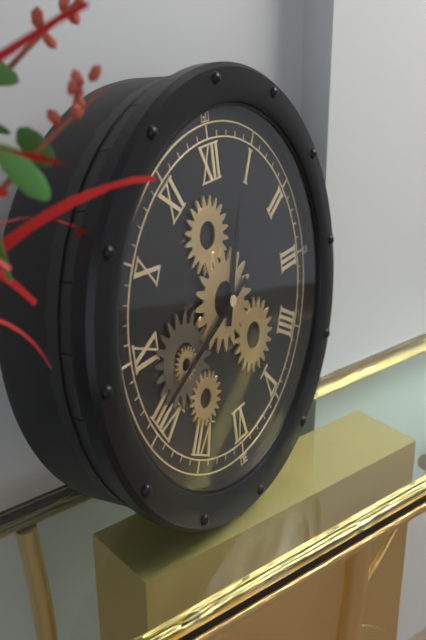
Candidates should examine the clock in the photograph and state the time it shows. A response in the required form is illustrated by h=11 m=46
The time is h=12 m=41
